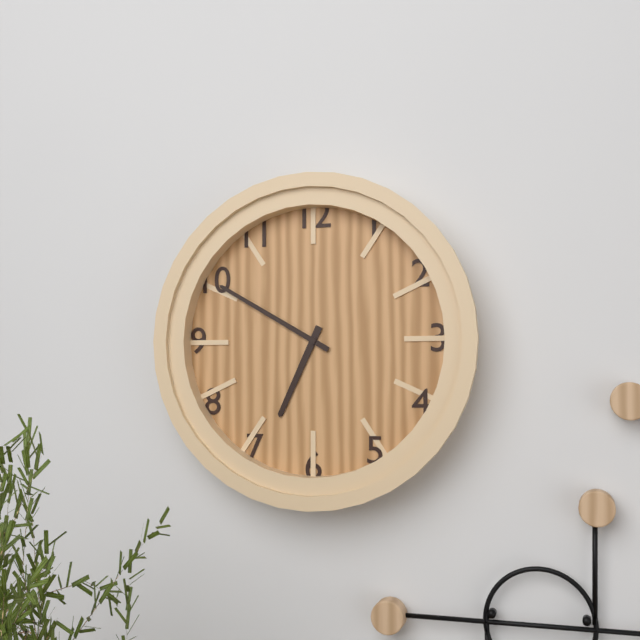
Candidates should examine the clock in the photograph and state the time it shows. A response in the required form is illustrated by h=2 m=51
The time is h=6 m=50
